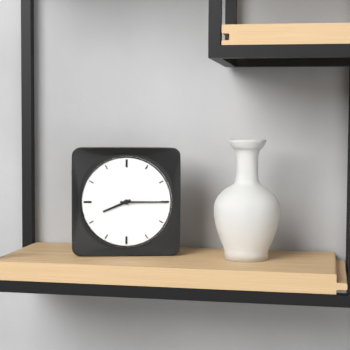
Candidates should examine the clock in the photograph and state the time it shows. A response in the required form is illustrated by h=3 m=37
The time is h=8 m=15
